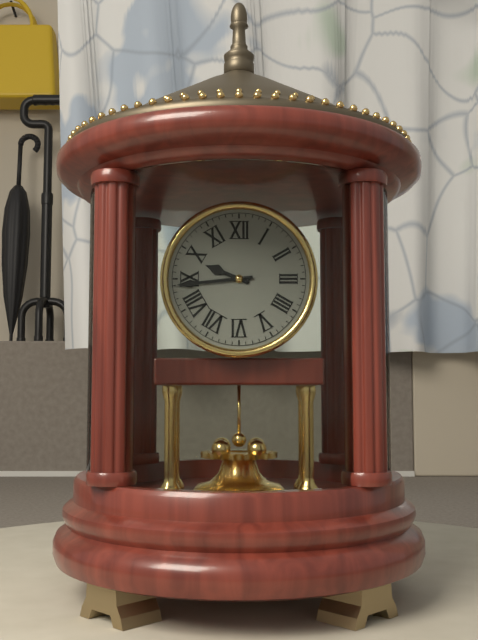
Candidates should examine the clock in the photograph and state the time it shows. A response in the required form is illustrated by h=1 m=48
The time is h=9 m=44
